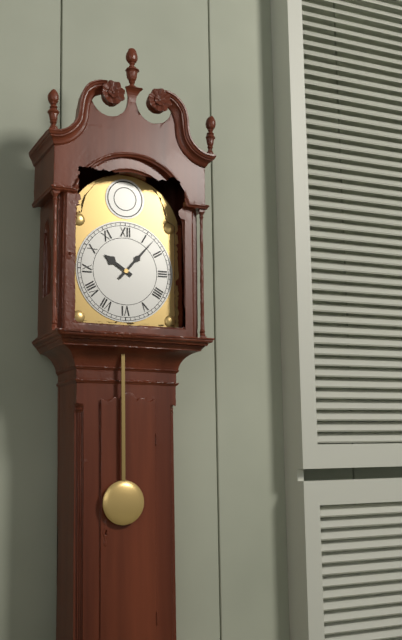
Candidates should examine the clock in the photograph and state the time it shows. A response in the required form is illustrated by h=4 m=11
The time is h=10 m=7
